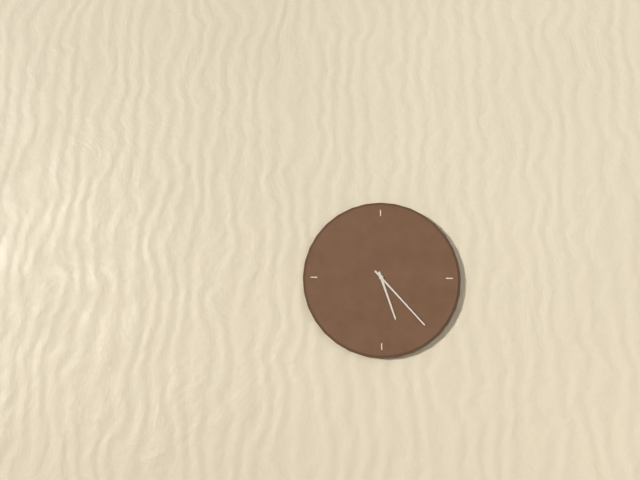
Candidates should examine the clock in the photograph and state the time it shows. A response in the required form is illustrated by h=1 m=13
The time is h=5 m=23
